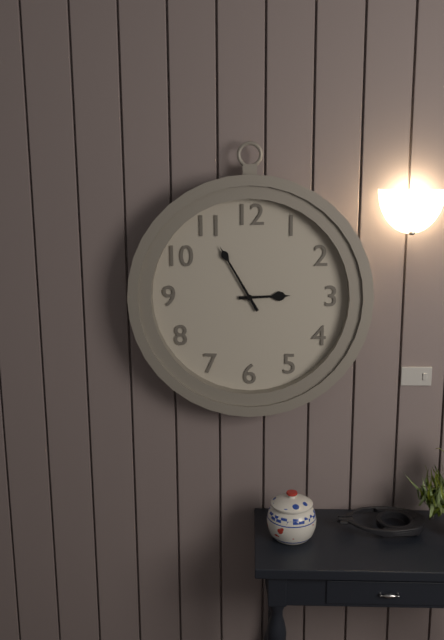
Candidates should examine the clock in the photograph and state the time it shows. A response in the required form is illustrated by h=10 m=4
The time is h=2 m=55
